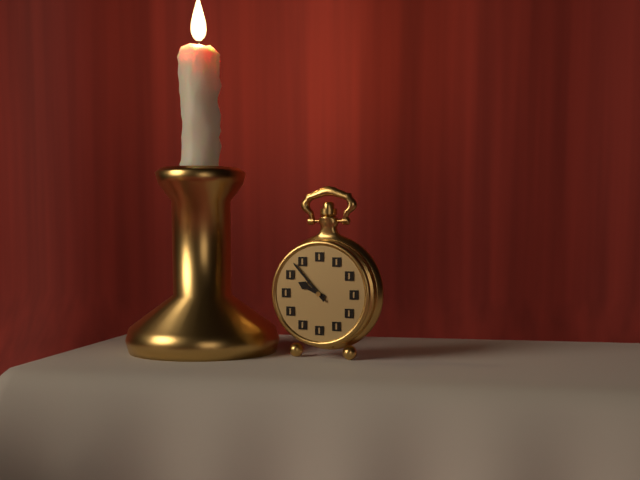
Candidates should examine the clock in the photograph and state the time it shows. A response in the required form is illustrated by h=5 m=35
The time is h=9 m=53
